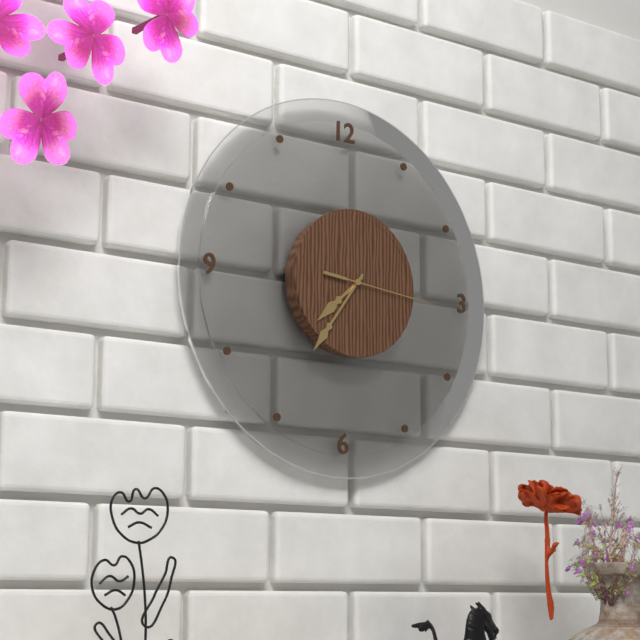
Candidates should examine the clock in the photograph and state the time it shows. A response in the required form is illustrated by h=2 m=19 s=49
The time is h=7 m=36 s=16
